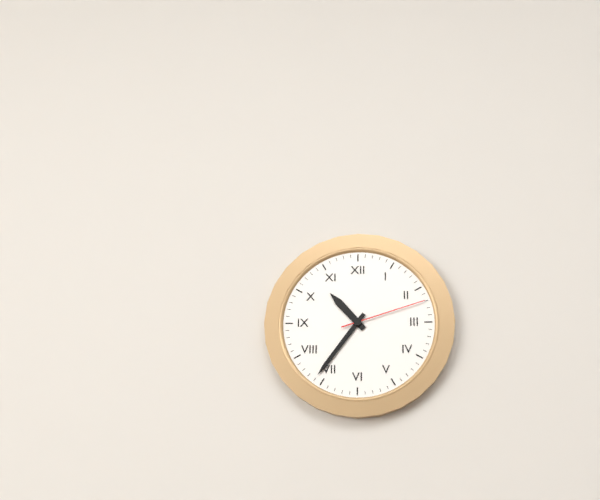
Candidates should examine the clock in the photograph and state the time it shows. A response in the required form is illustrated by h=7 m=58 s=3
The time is h=10 m=36 s=12
